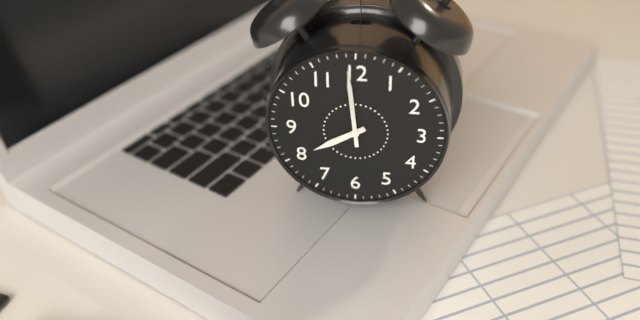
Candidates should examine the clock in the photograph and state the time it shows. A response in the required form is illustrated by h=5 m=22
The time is h=7 m=59
